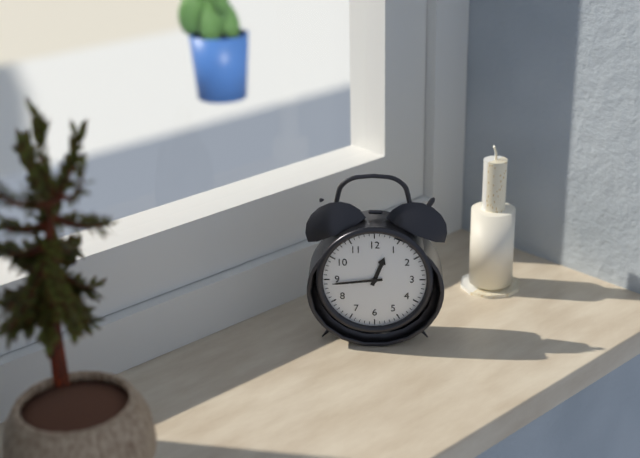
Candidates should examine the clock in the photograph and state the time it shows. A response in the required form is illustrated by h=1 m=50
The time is h=12 m=44
